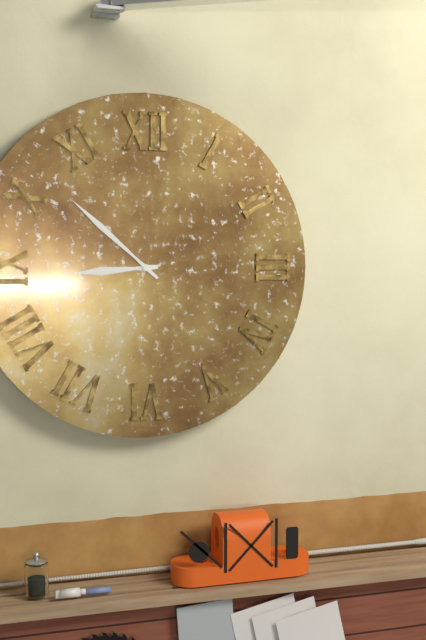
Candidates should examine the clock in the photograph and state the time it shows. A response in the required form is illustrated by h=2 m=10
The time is h=8 m=52
